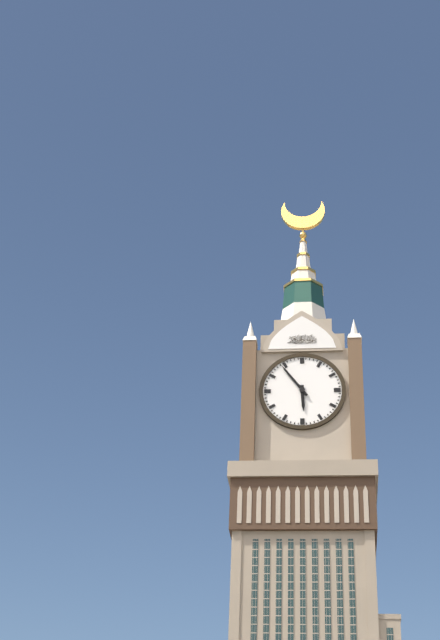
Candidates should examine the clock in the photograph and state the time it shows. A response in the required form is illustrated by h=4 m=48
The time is h=5 m=54
